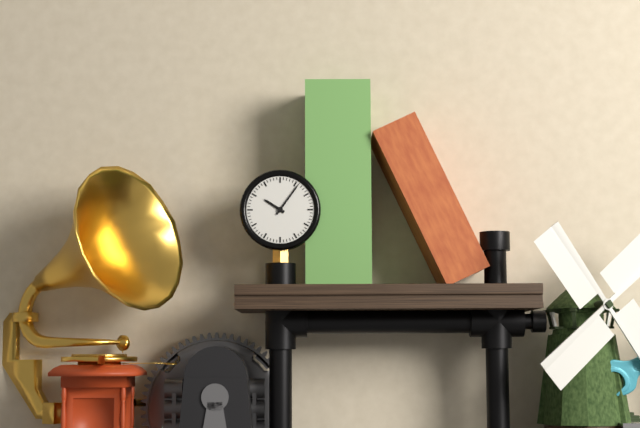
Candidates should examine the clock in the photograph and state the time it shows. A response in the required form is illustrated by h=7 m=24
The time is h=10 m=6
